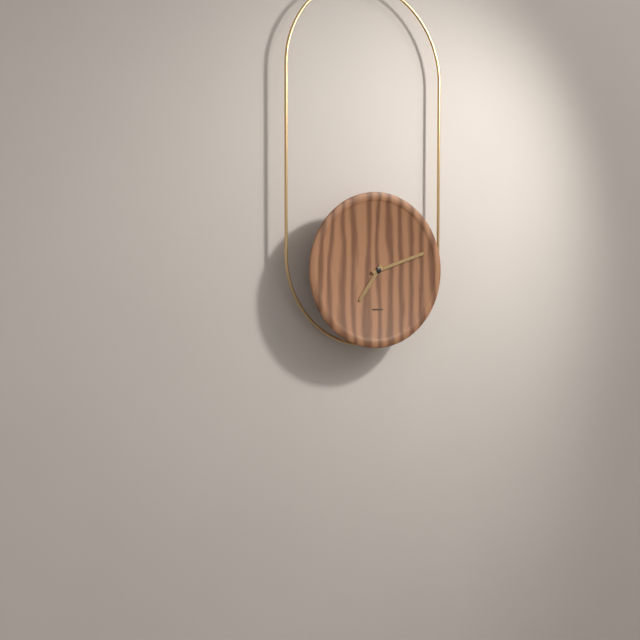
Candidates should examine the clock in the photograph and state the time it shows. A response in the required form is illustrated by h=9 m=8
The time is h=7 m=12
